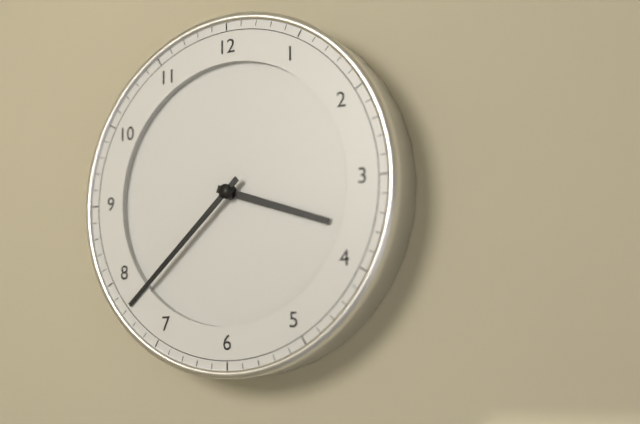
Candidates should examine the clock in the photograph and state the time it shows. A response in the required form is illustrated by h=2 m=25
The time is h=3 m=38
